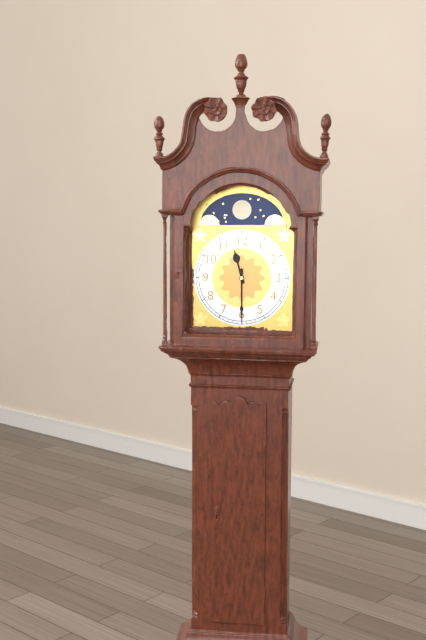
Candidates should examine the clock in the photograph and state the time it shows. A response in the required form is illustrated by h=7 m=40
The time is h=11 m=30
